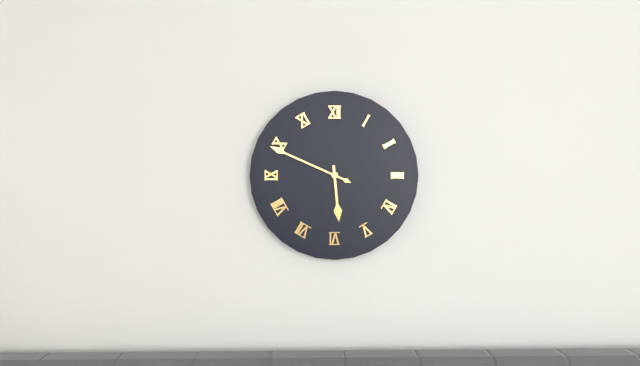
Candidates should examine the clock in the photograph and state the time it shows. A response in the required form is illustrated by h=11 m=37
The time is h=5 m=49
